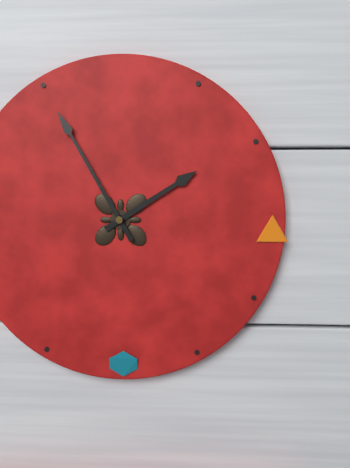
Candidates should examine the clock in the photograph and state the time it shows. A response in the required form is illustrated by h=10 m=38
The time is h=1 m=55
